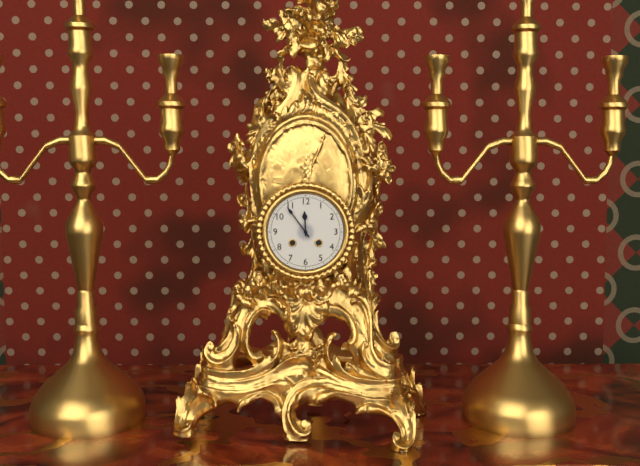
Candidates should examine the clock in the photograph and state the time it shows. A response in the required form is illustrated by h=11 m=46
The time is h=11 m=54
